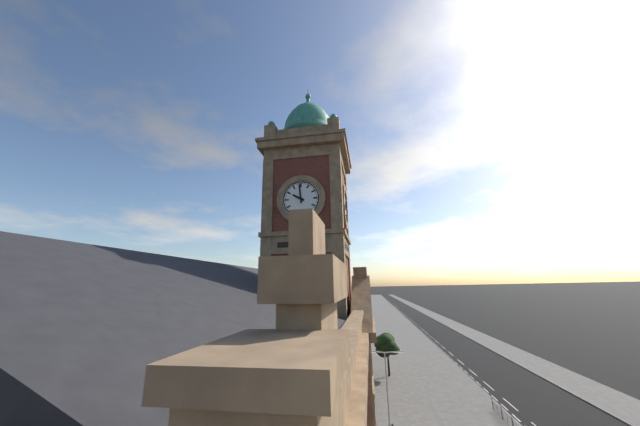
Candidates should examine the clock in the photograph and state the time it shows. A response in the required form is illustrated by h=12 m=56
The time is h=9 m=59
